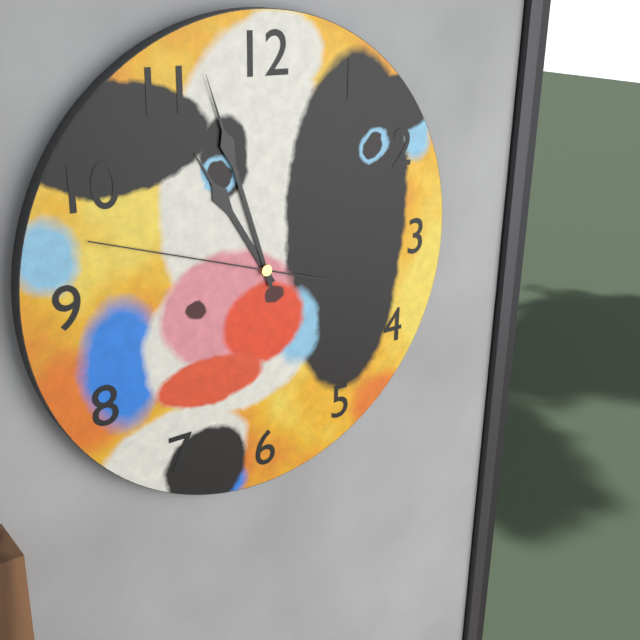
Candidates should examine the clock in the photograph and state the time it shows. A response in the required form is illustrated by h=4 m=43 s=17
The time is h=10 m=57 s=48
